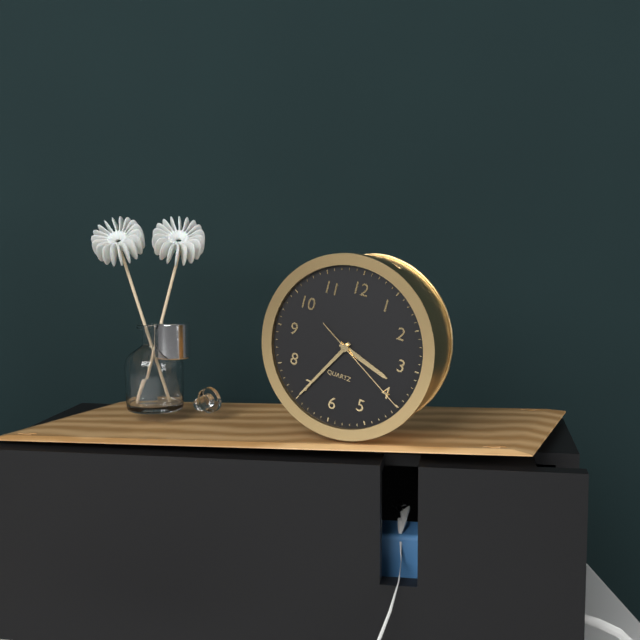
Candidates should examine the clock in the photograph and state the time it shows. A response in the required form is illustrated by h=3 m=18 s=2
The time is h=3 m=35 s=20
